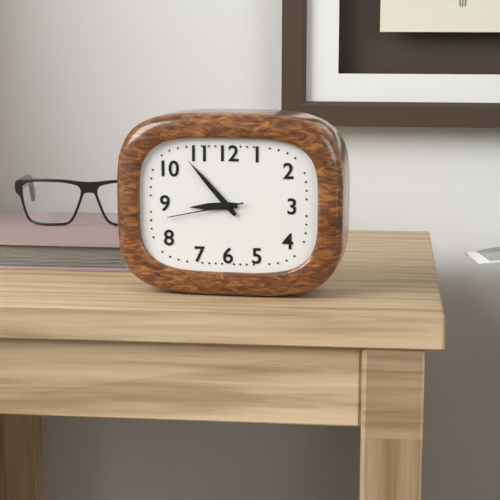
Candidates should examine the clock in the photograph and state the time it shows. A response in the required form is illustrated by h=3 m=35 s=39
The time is h=8 m=53 s=43
